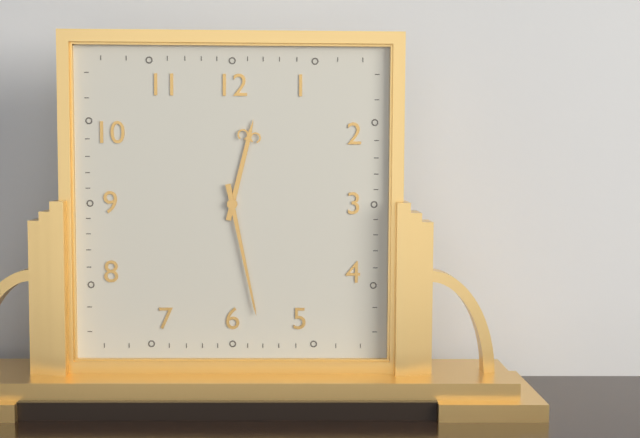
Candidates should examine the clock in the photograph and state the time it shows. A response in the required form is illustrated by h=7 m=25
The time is h=12 m=28
